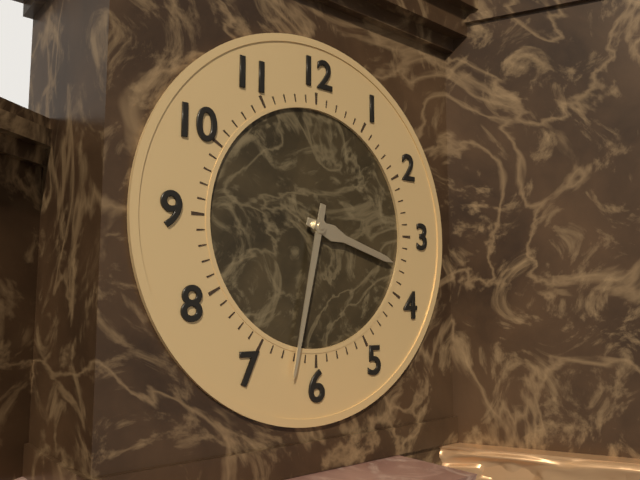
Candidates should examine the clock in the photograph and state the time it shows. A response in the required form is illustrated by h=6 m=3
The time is h=3 m=32
